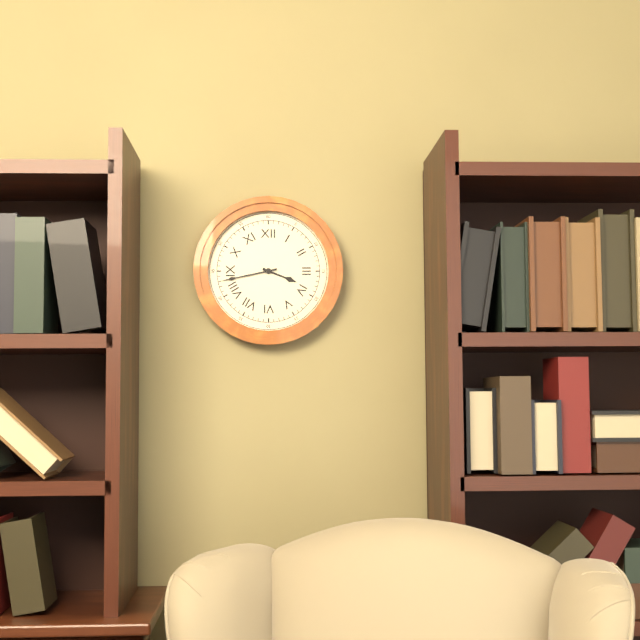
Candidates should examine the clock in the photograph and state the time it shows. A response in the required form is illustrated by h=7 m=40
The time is h=3 m=43
